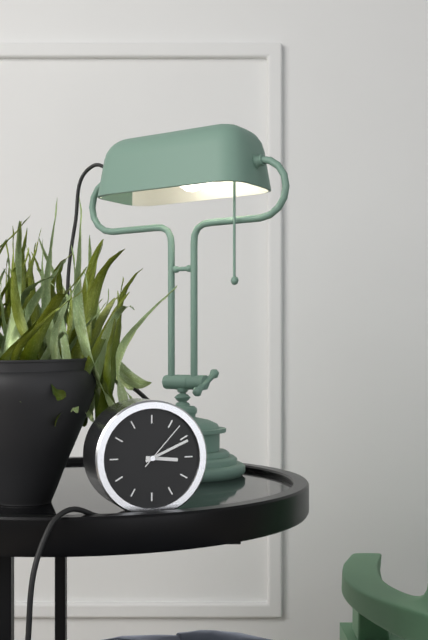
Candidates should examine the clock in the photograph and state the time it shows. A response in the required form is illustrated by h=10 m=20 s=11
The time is h=3 m=11 s=7
